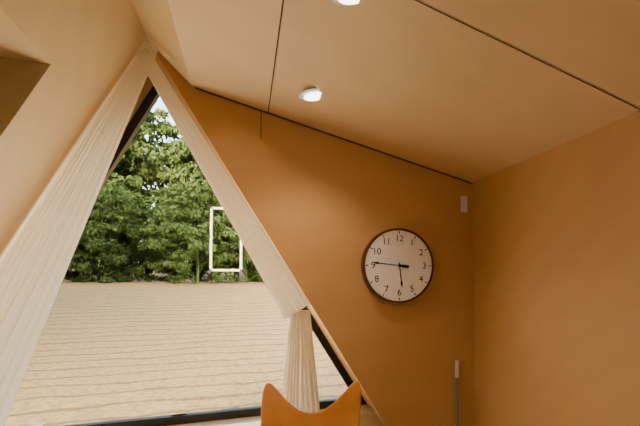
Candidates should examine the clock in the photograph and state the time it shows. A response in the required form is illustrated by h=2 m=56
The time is h=5 m=46
